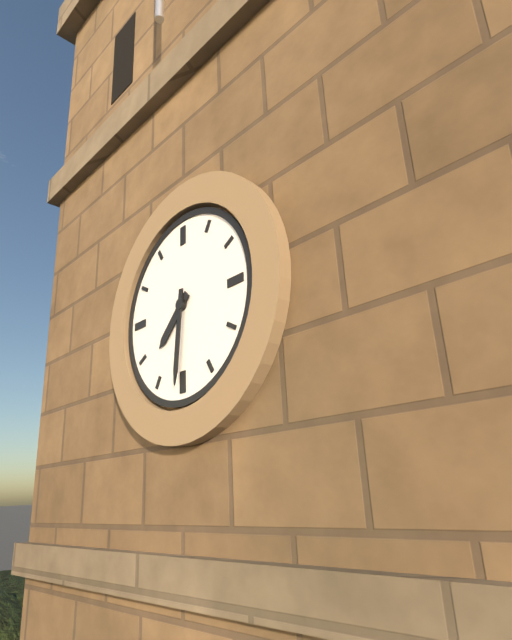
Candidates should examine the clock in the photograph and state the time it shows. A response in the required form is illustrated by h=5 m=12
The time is h=7 m=31
